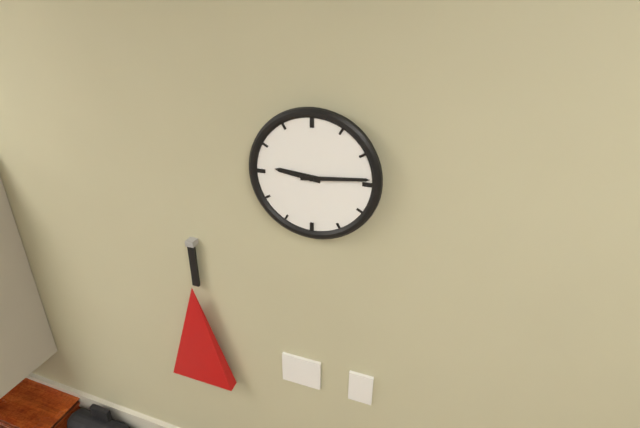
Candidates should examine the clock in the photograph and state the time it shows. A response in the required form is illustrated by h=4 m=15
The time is h=9 m=14
